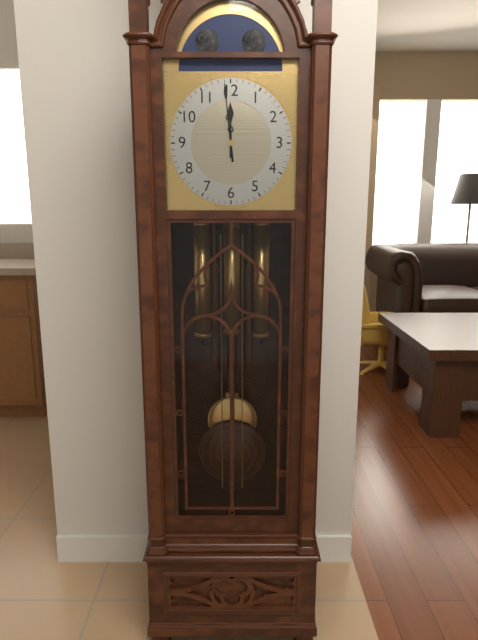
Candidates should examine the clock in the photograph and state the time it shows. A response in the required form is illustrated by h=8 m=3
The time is h=11 m=59
